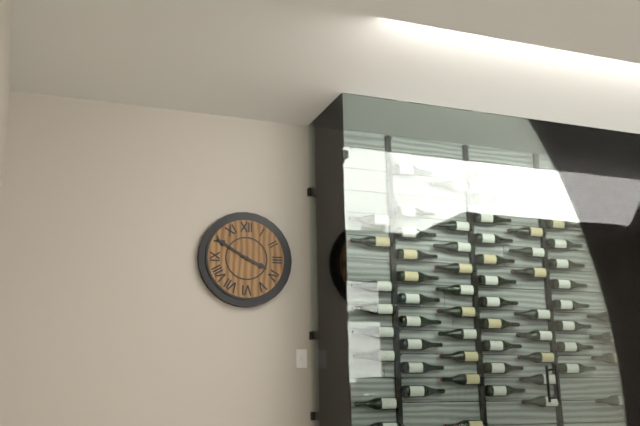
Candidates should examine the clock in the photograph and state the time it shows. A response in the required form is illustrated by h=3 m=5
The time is h=3 m=50
